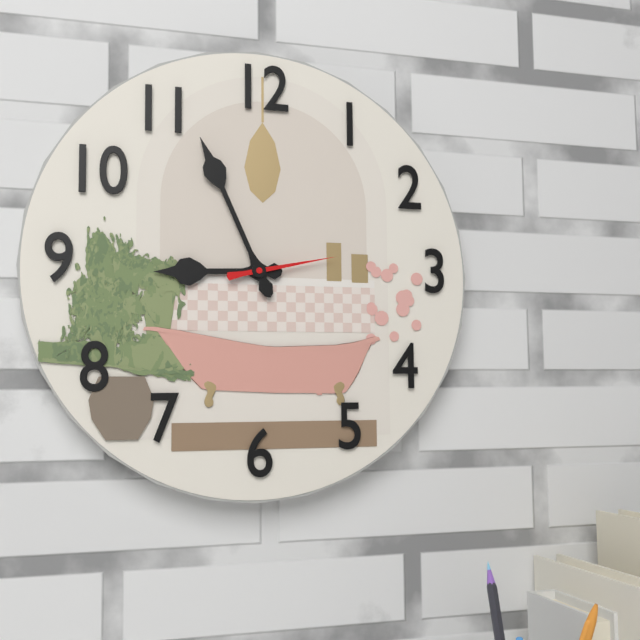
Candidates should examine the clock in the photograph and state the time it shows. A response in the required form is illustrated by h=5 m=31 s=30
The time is h=8 m=56 s=13
